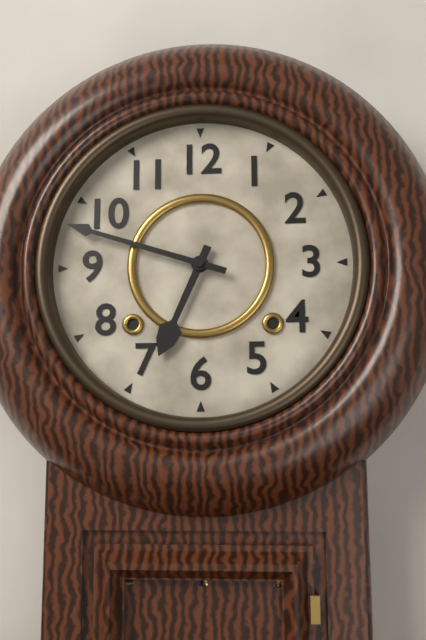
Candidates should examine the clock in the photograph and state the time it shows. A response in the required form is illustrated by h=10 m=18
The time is h=6 m=48
